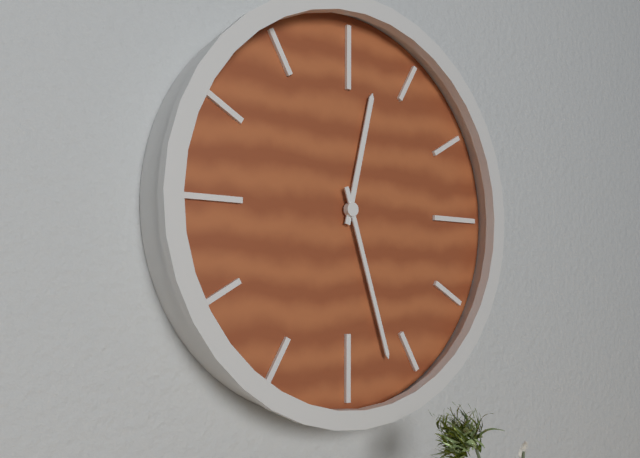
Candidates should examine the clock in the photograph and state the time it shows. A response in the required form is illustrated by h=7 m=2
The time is h=12 m=27
